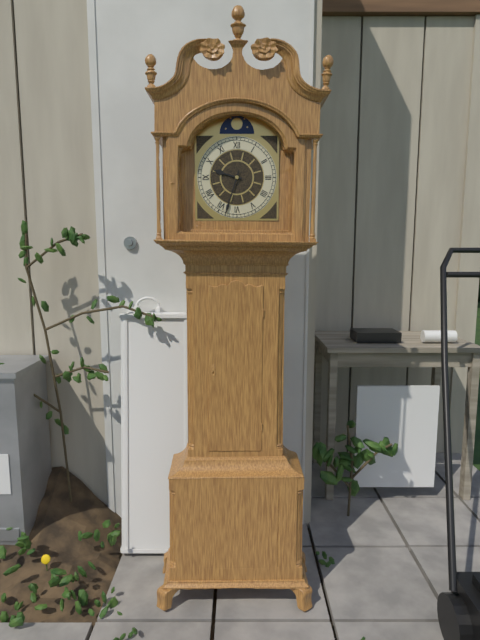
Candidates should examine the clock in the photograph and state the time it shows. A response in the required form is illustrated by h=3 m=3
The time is h=9 m=33
